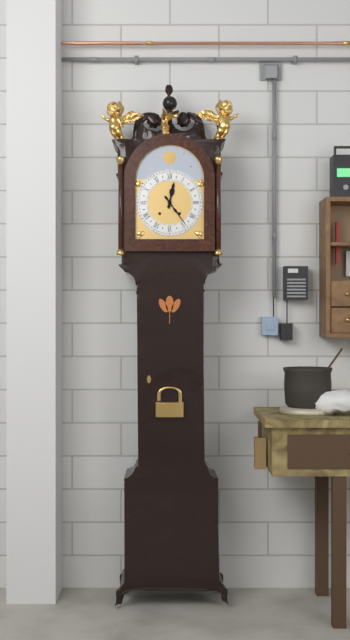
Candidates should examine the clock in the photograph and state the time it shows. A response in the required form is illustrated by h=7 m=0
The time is h=12 m=24
